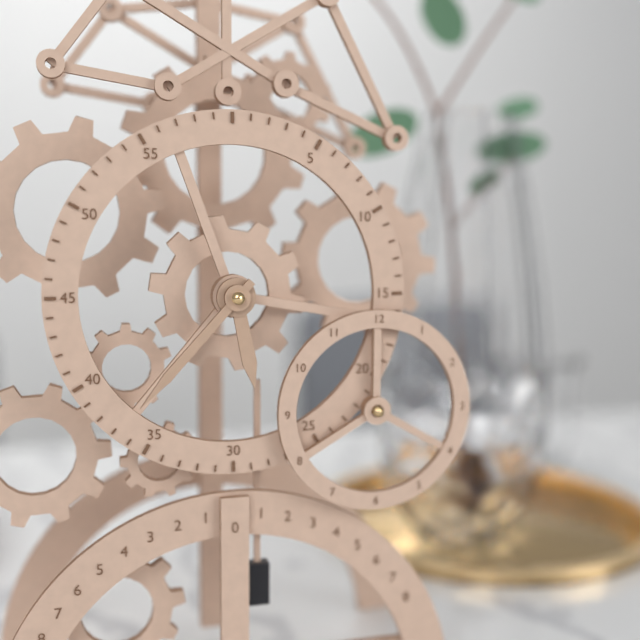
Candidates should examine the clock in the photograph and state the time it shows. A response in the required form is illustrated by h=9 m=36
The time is h=5 m=37
